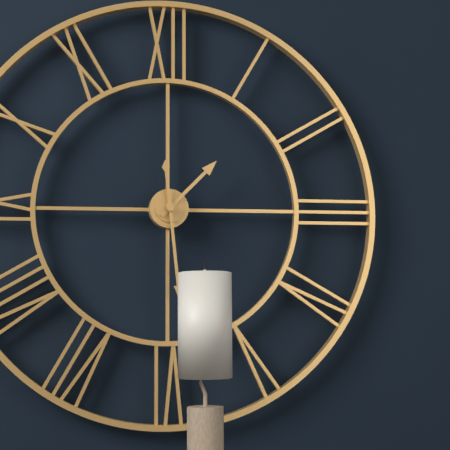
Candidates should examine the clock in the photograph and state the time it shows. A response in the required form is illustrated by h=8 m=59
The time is h=1 m=29
